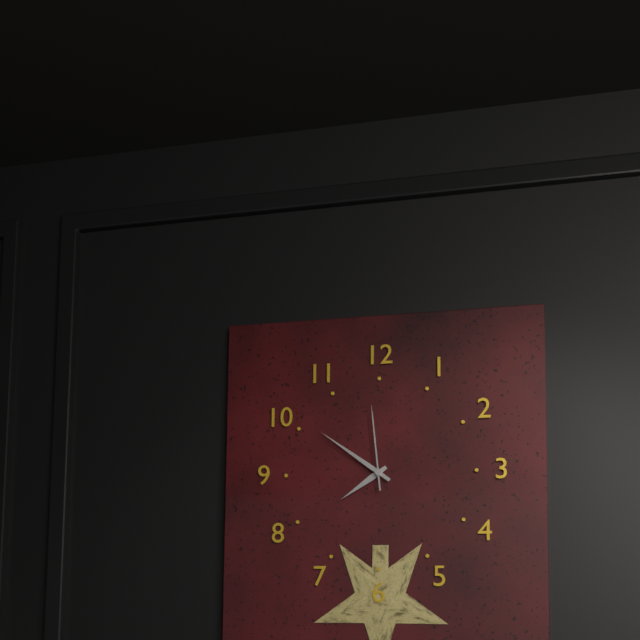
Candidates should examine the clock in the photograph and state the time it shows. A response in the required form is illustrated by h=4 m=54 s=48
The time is h=7 m=51 s=59
